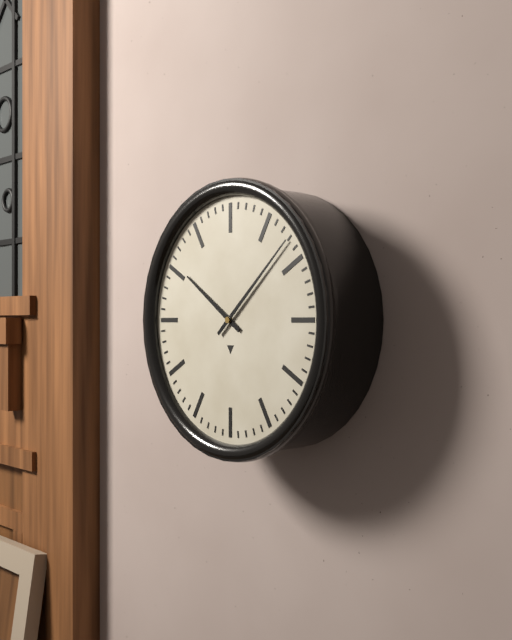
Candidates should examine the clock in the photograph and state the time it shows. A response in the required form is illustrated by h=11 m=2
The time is h=10 m=8
